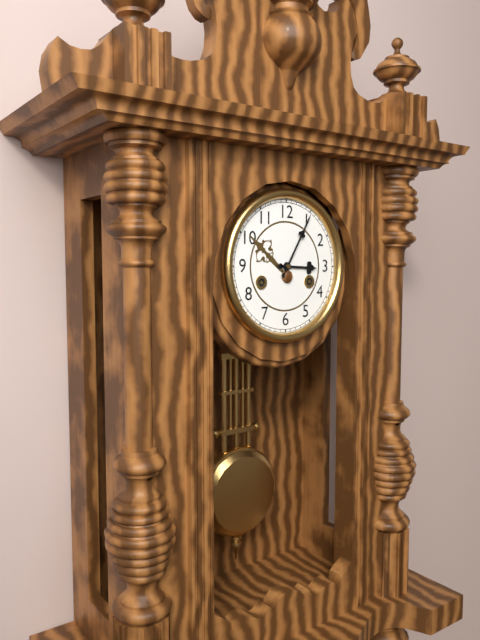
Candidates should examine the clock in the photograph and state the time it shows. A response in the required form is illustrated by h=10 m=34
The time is h=3 m=5
